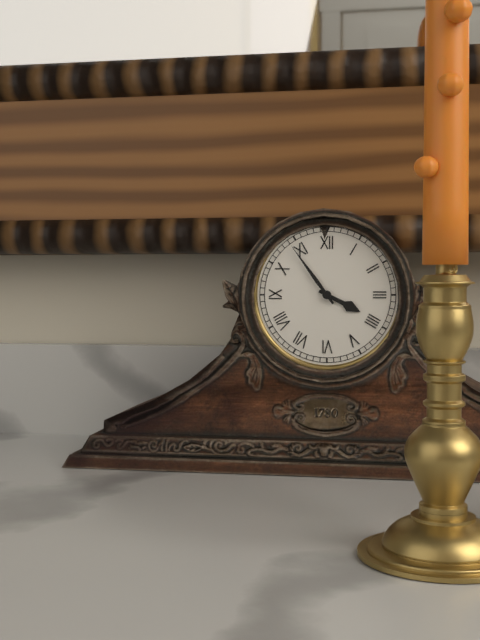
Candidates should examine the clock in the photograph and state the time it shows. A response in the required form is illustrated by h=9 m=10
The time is h=3 m=54
